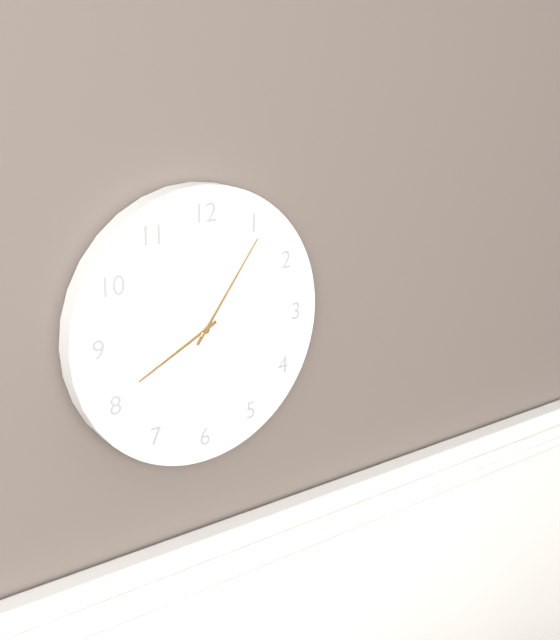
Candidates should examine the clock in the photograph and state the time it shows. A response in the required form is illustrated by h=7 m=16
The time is h=8 m=6
